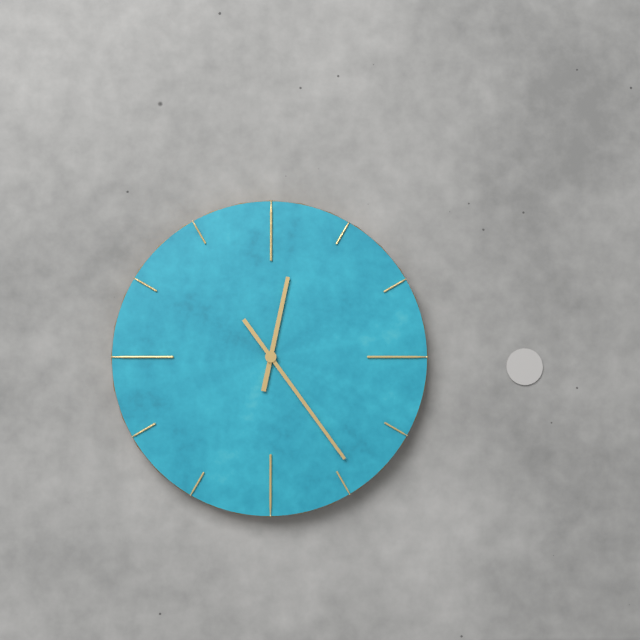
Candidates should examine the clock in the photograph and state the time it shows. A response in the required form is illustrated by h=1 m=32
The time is h=12 m=24
